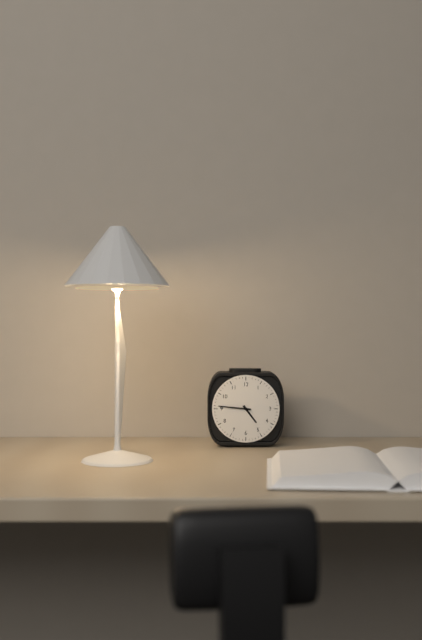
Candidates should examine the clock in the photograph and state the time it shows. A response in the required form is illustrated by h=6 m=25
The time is h=4 m=46
